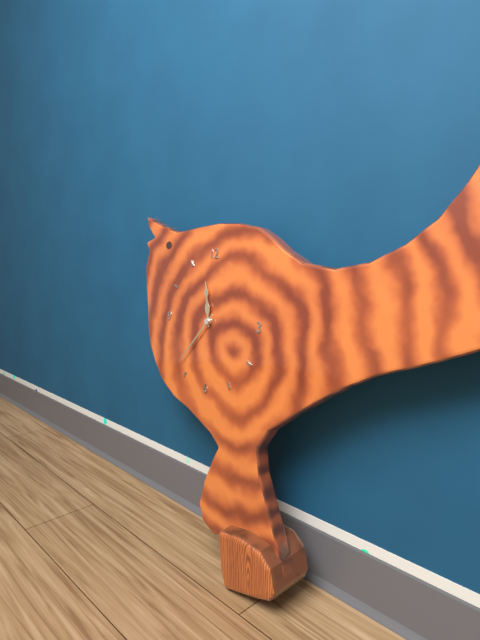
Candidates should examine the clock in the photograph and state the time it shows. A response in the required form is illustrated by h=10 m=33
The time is h=11 m=37
